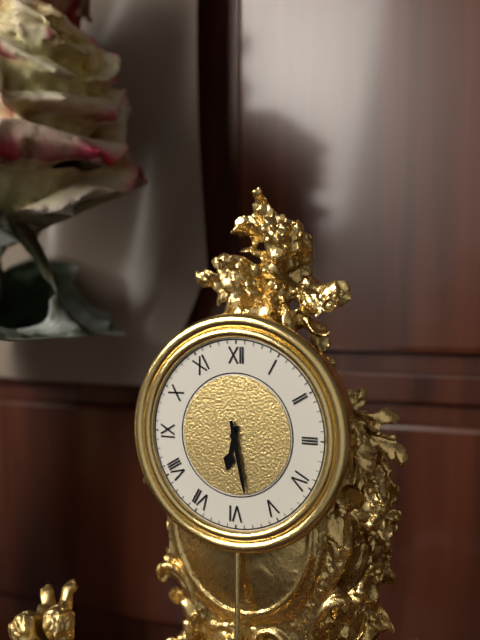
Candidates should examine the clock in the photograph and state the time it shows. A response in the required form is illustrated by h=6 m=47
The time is h=6 m=28
